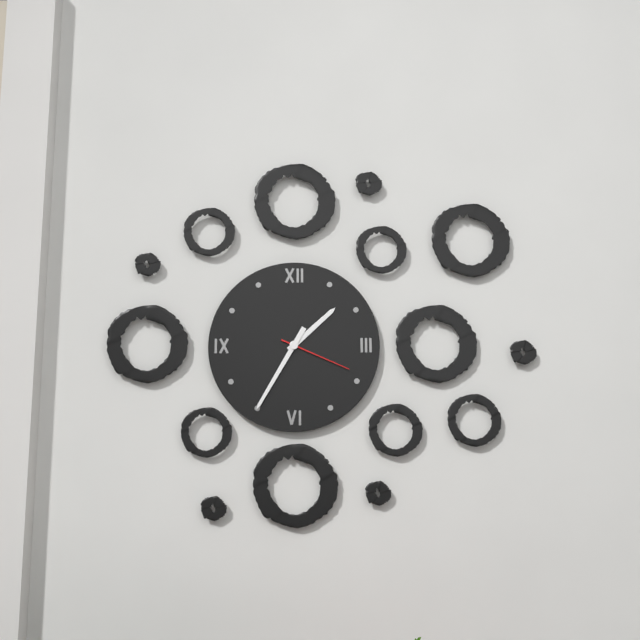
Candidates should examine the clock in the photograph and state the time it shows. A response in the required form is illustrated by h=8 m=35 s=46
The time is h=1 m=35 s=19
